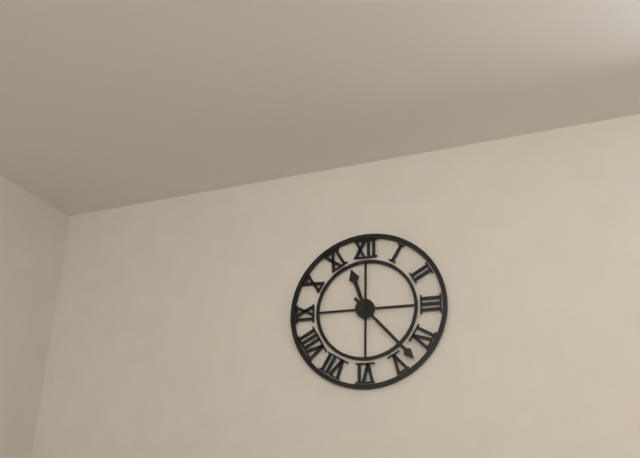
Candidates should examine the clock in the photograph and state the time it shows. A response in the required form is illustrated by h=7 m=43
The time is h=11 m=23
